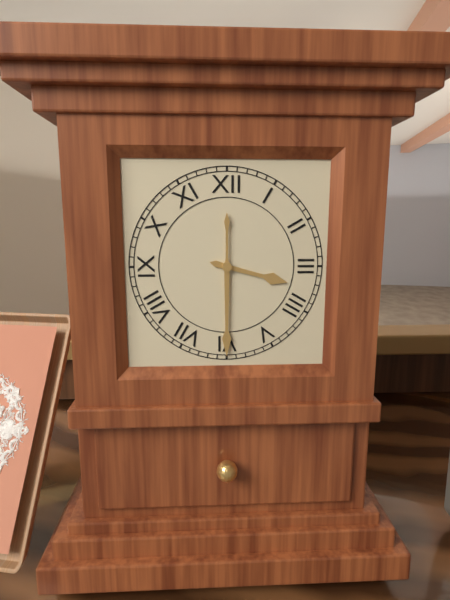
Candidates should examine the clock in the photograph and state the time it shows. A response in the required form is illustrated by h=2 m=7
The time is h=3 m=30
